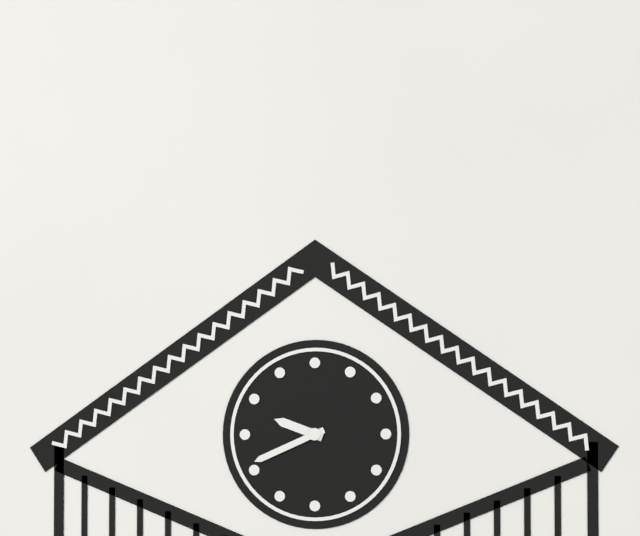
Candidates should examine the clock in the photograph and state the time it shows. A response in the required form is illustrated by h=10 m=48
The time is h=9 m=41
